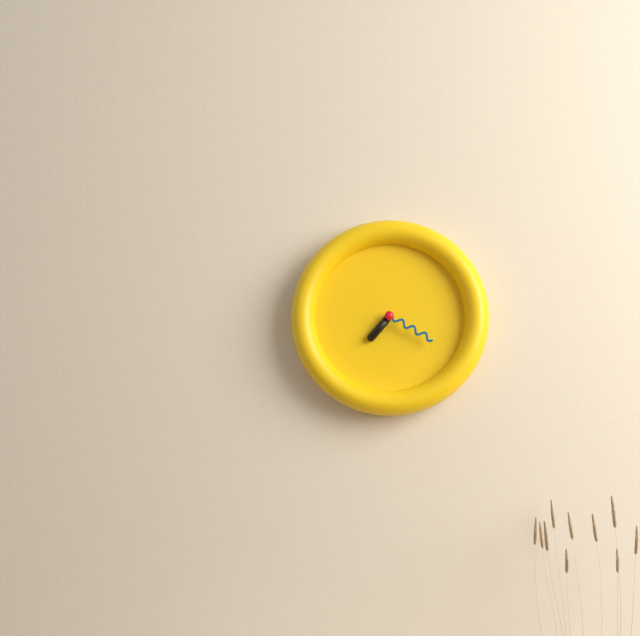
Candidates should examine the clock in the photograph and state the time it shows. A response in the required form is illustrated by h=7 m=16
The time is h=7 m=20
